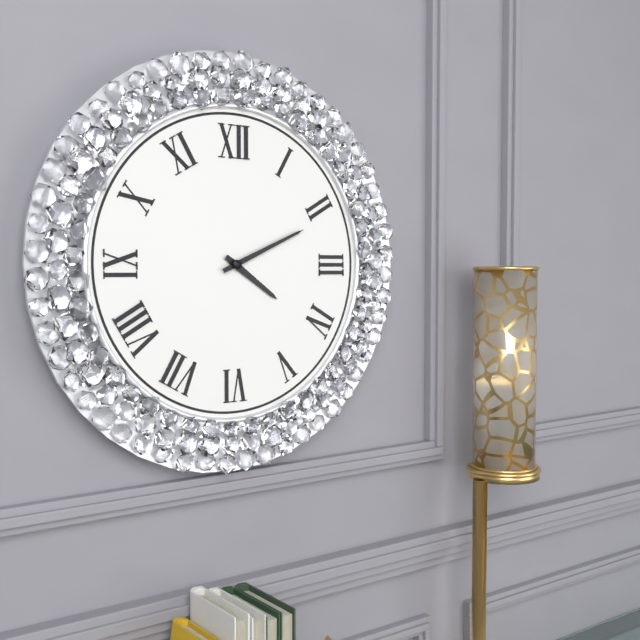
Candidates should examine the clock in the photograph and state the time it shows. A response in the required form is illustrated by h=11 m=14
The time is h=4 m=11
